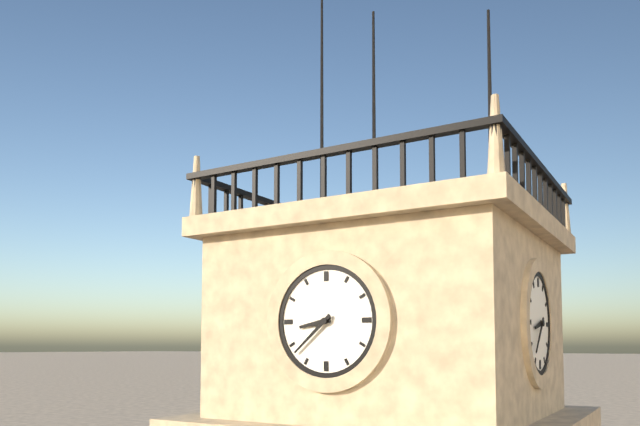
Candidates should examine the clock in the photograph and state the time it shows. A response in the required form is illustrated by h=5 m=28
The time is h=8 m=38
